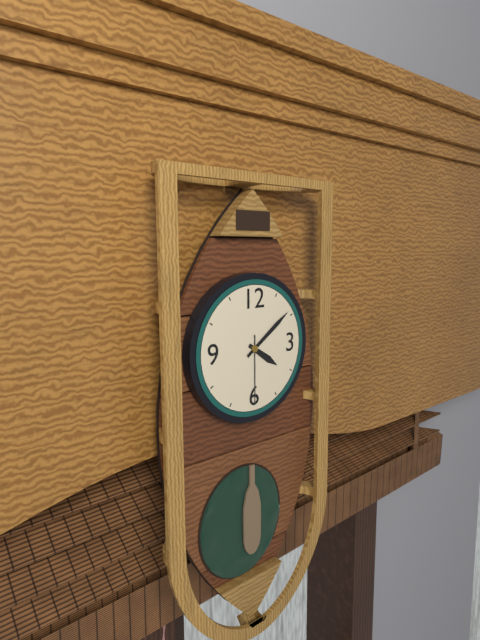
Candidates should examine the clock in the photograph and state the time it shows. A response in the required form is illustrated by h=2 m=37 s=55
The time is h=4 m=9 s=30
